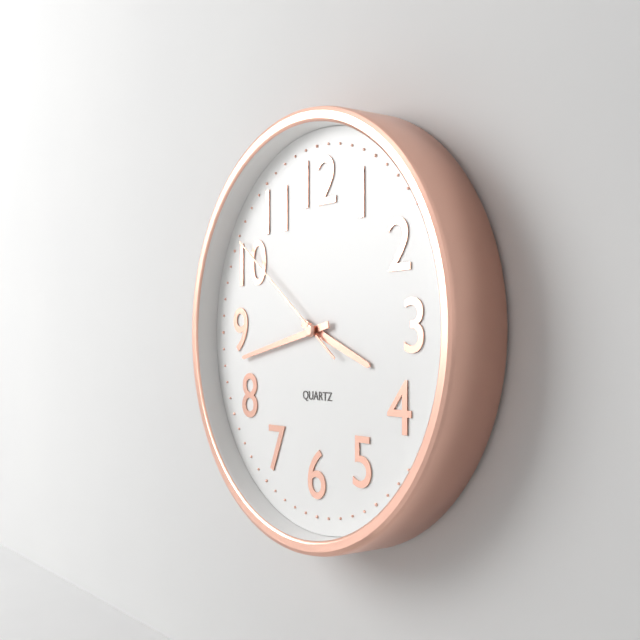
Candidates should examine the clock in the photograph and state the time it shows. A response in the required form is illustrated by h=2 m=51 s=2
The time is h=3 m=43 s=51
